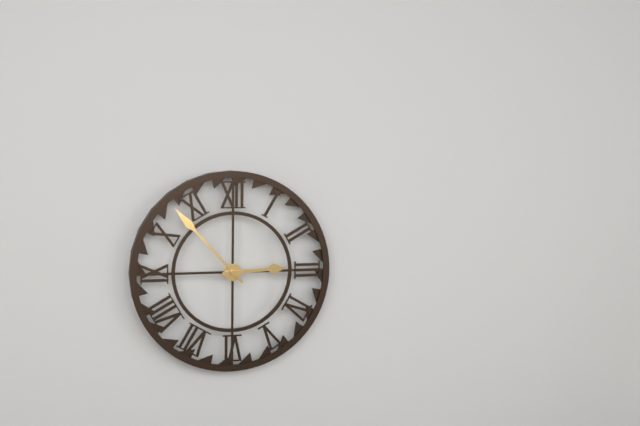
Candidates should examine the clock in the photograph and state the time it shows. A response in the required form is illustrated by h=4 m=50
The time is h=2 m=53
